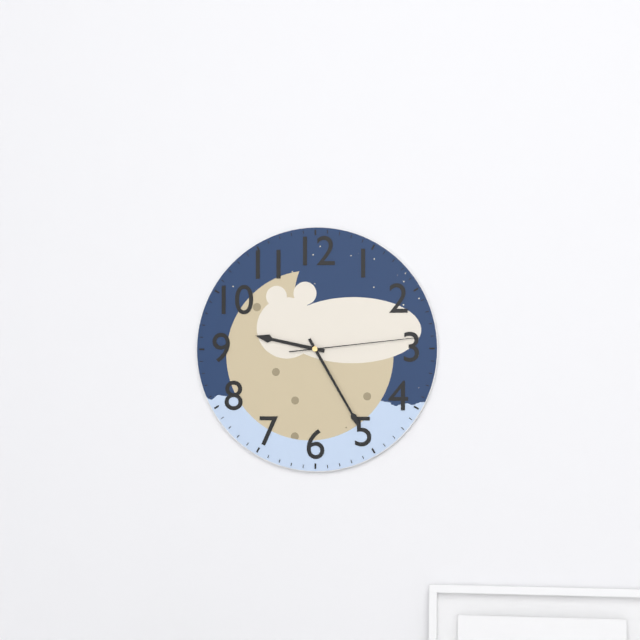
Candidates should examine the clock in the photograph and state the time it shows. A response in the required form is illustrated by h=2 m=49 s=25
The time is h=9 m=25 s=14
